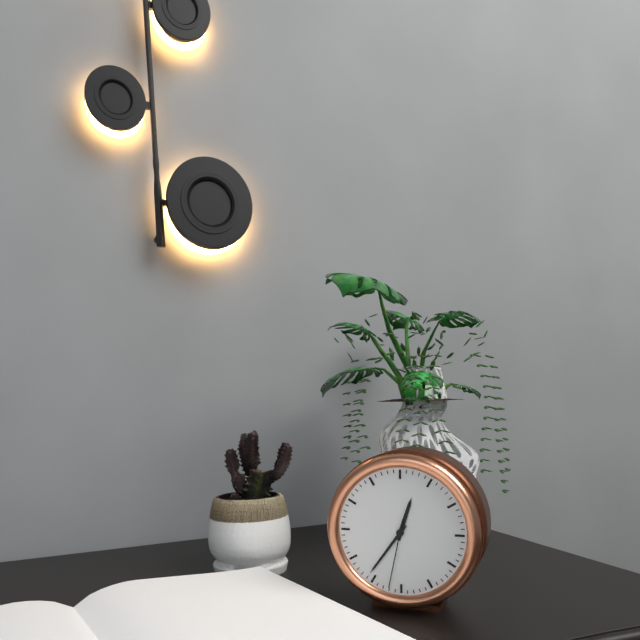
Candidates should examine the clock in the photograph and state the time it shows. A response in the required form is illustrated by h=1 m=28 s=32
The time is h=12 m=36 s=32
